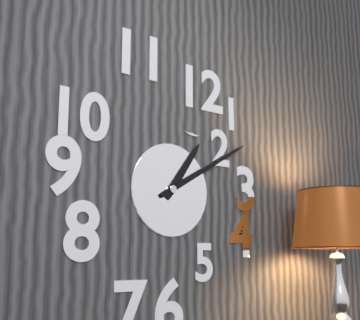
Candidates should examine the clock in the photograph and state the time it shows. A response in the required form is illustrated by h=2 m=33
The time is h=1 m=10
